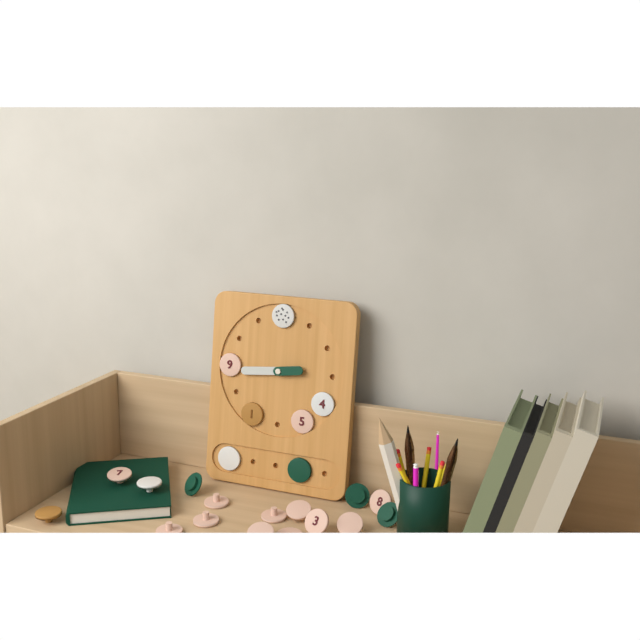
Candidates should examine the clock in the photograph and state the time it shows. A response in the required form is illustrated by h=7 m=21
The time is h=2 m=44
